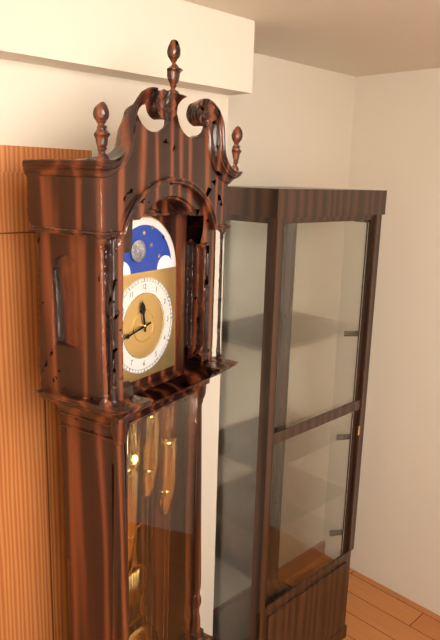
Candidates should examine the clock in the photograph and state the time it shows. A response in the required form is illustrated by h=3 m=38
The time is h=11 m=43
